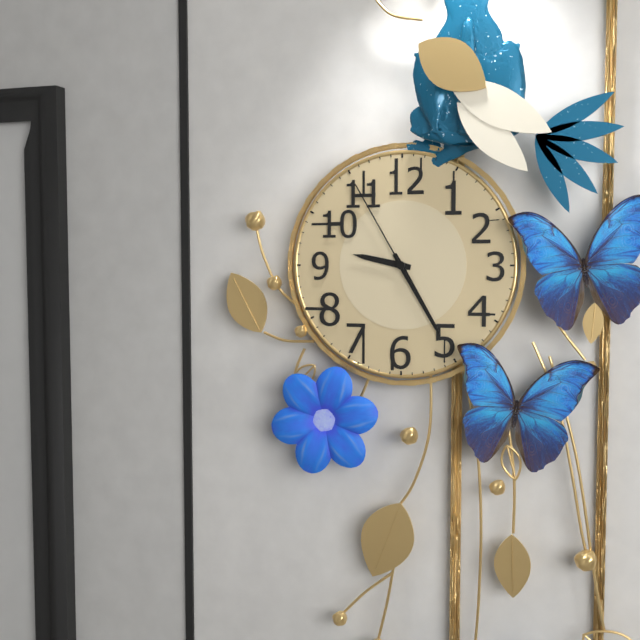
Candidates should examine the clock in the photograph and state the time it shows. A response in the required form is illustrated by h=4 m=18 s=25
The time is h=9 m=25 s=55
